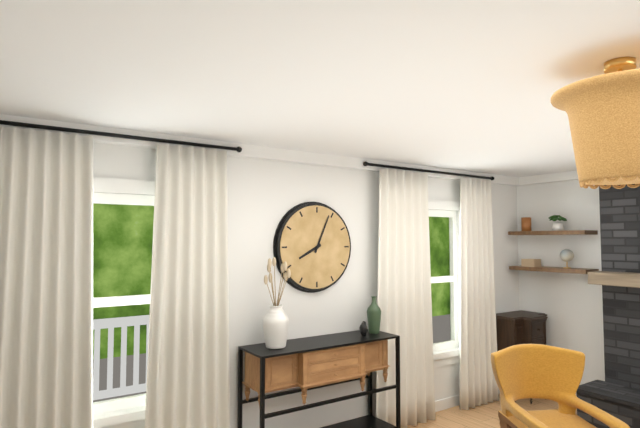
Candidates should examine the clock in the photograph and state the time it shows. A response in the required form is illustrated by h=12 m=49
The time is h=8 m=4
